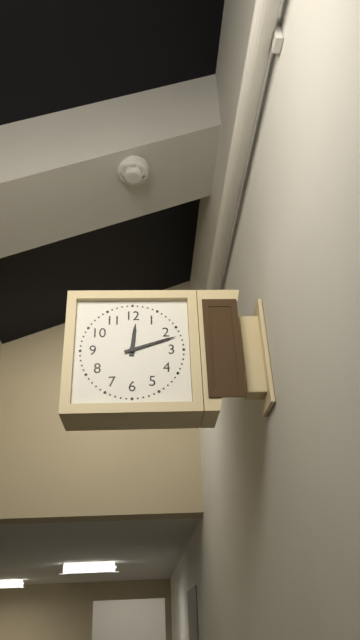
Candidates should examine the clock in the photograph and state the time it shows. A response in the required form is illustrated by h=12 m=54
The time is h=12 m=12
